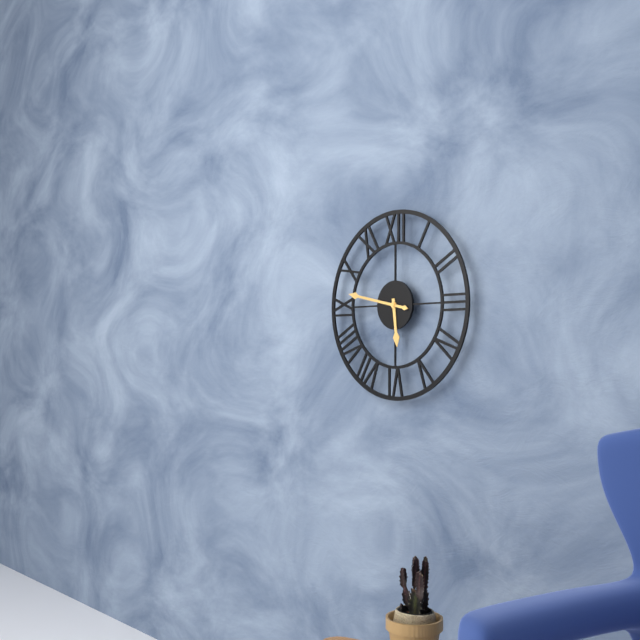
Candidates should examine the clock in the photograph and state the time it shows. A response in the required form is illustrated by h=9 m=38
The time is h=5 m=47
